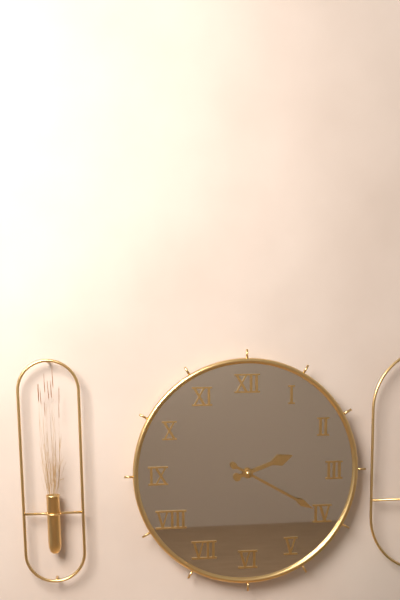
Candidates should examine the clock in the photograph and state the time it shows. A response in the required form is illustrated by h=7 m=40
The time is h=2 m=20
